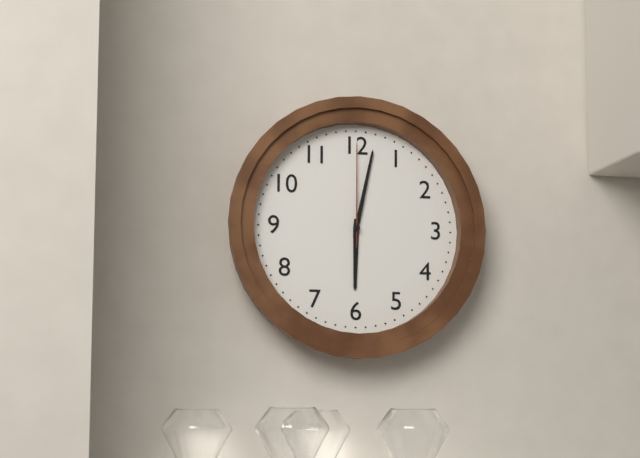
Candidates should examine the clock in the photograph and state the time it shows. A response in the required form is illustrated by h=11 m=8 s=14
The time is h=6 m=2 s=0
